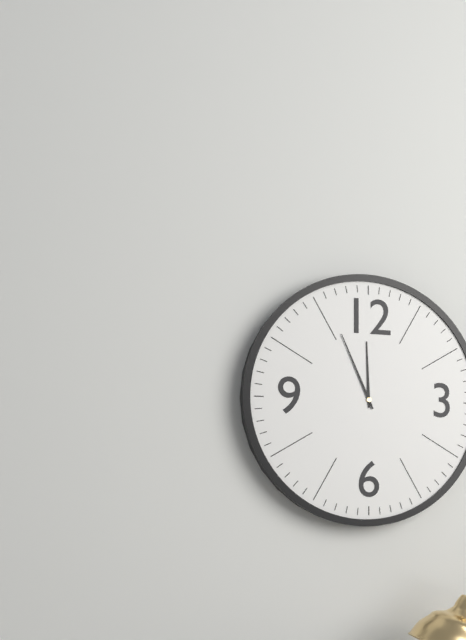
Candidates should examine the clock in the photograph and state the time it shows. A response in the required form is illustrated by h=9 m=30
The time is h=11 m=56
